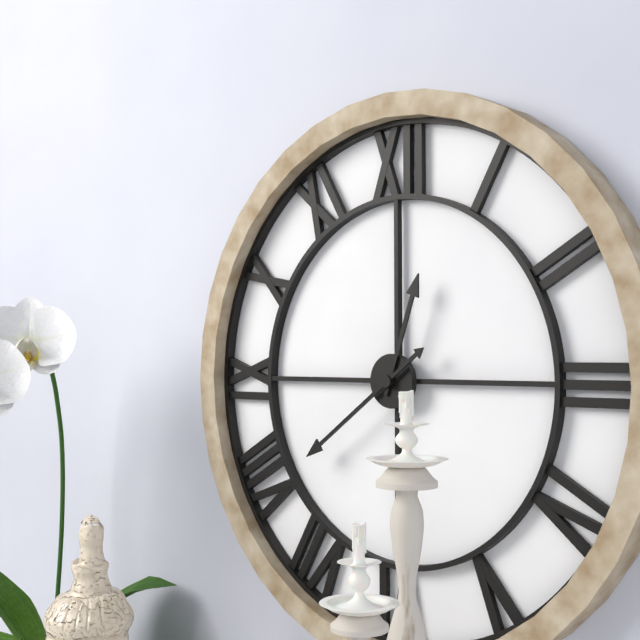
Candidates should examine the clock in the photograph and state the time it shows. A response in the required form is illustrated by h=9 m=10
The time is h=12 m=39
